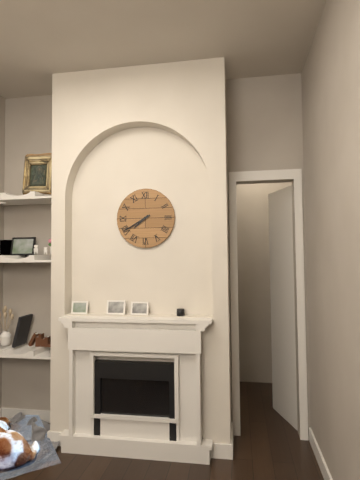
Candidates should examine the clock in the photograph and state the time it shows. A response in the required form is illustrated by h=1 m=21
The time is h=7 m=40
